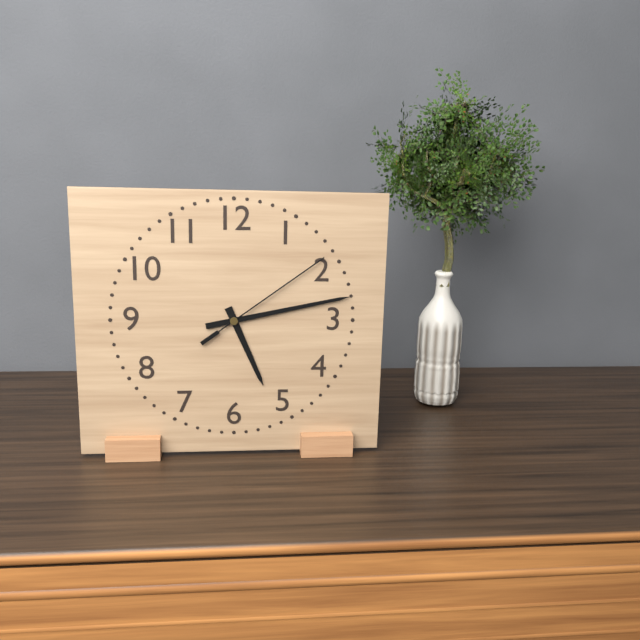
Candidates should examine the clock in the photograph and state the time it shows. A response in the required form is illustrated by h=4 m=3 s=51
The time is h=5 m=13 s=9
